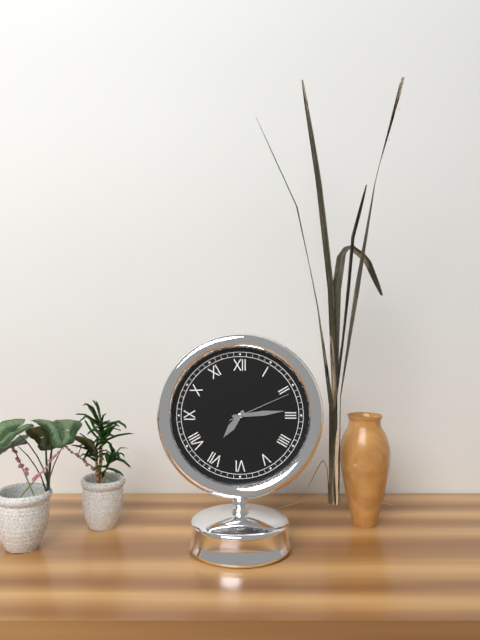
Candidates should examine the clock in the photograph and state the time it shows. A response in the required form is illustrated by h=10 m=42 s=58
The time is h=7 m=14 s=11
